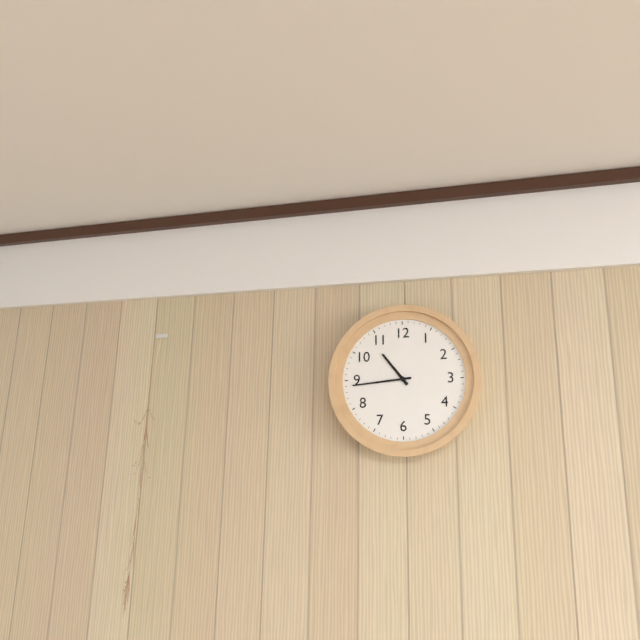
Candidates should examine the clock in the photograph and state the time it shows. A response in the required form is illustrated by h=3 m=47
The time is h=10 m=44
